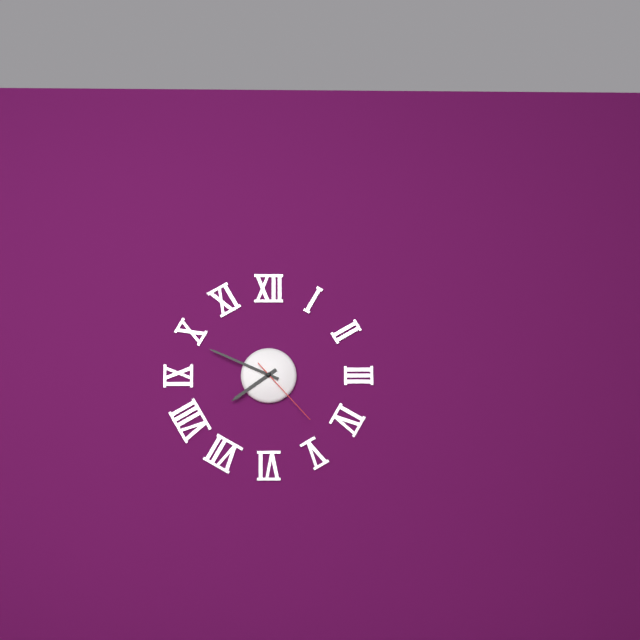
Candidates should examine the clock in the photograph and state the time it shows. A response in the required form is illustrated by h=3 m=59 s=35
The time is h=7 m=49 s=23
